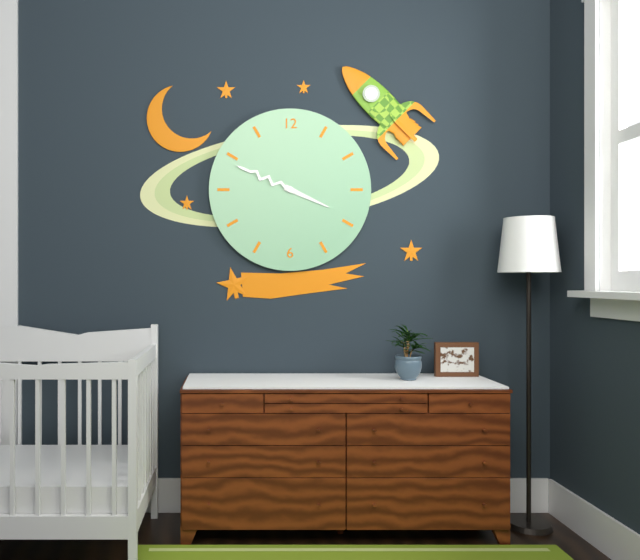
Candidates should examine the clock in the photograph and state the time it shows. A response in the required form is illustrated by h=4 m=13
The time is h=3 m=49
